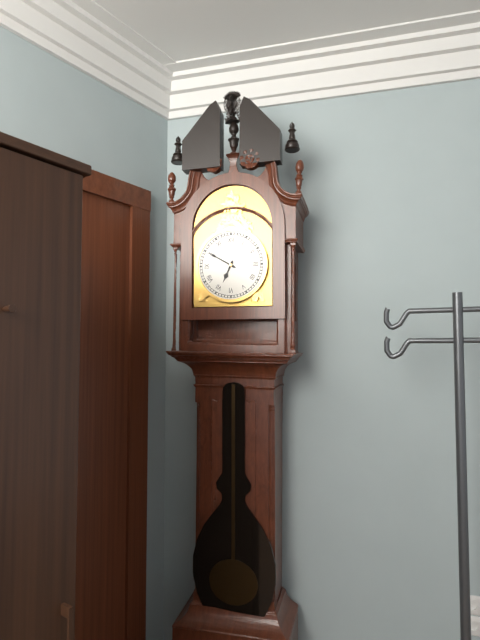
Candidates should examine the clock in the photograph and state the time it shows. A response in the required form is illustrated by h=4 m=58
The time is h=6 m=50
